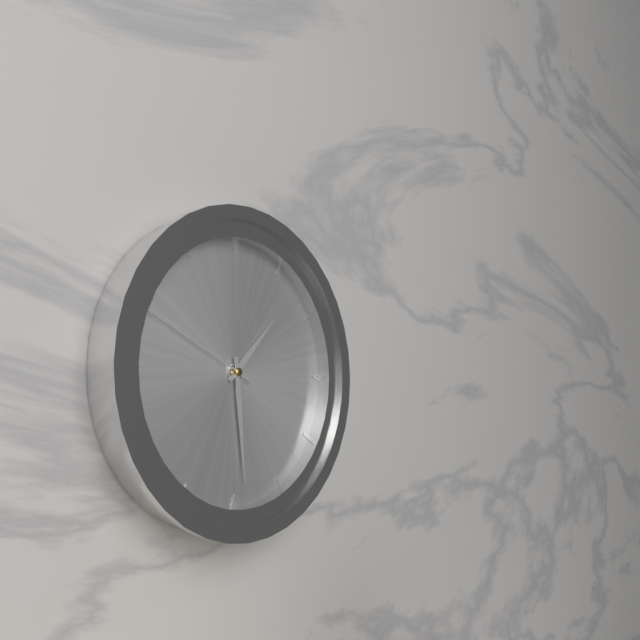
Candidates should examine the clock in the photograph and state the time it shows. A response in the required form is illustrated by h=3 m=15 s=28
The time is h=1 m=29 s=49
